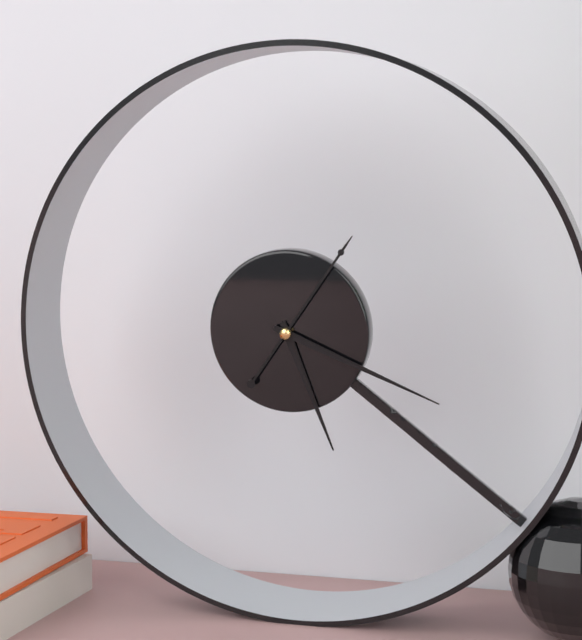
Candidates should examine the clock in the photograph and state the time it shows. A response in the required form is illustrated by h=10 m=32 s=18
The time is h=5 m=19 s=6
